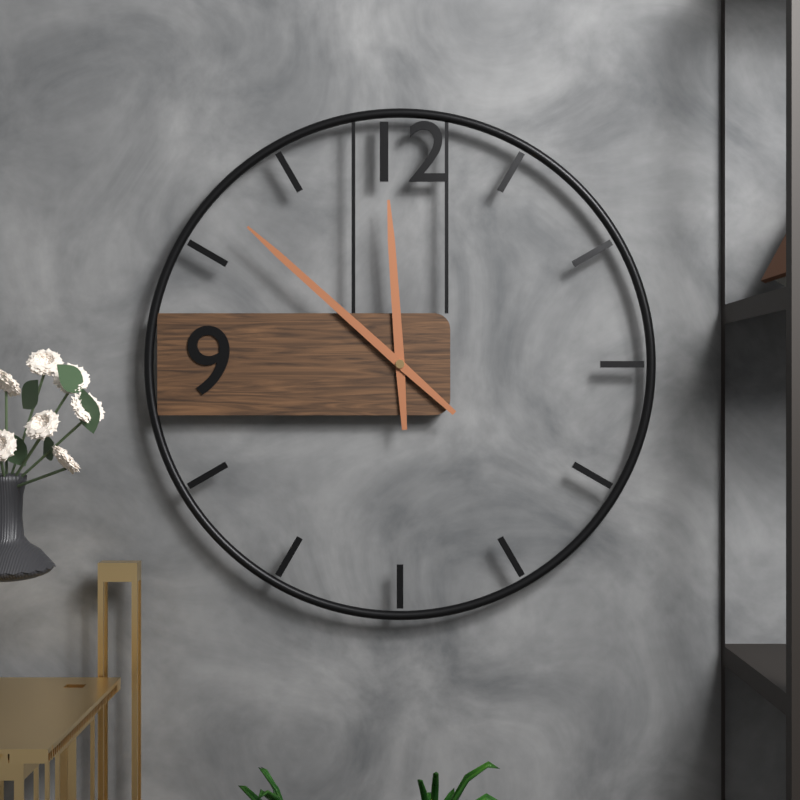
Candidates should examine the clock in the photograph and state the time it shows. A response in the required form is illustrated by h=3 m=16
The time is h=11 m=52
